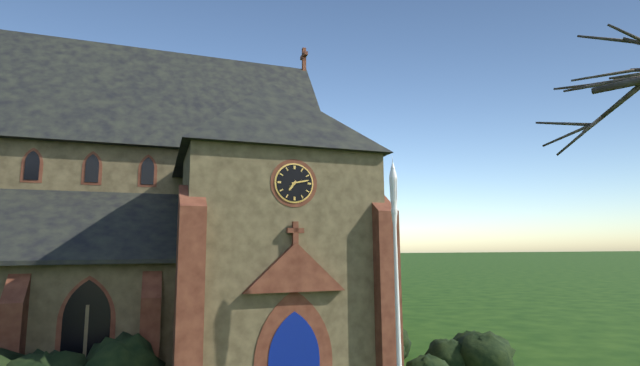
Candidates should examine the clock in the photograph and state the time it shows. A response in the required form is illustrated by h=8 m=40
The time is h=7 m=13
